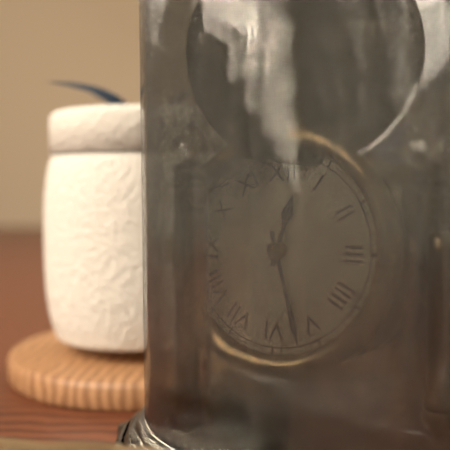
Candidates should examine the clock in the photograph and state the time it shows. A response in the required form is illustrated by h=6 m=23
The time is h=12 m=27
